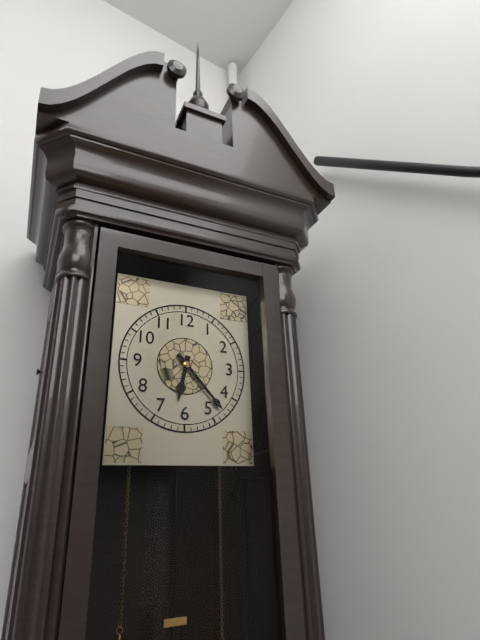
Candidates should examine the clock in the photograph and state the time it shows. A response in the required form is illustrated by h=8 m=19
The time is h=6 m=23
